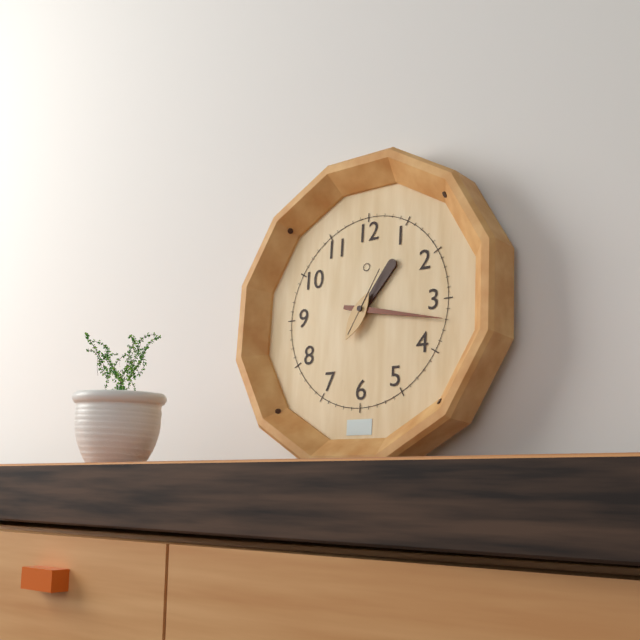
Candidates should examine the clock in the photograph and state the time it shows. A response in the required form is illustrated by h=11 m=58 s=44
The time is h=1 m=17 s=5
